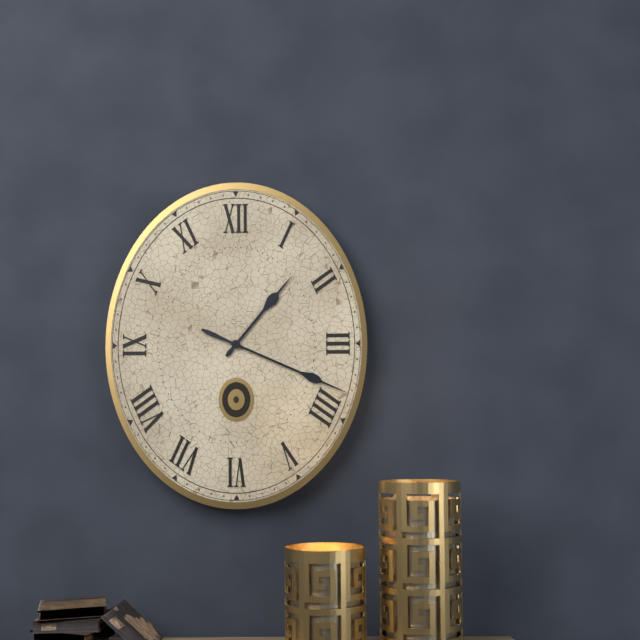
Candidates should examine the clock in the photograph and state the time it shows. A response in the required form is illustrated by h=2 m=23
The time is h=1 m=19
